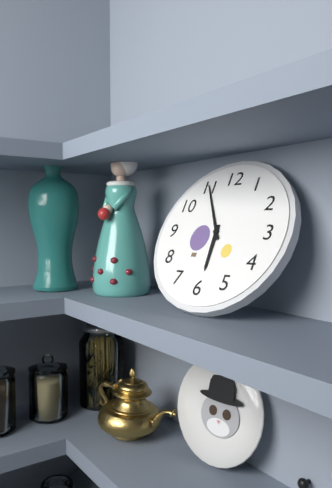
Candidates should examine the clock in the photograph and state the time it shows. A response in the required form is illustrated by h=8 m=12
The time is h=5 m=55
